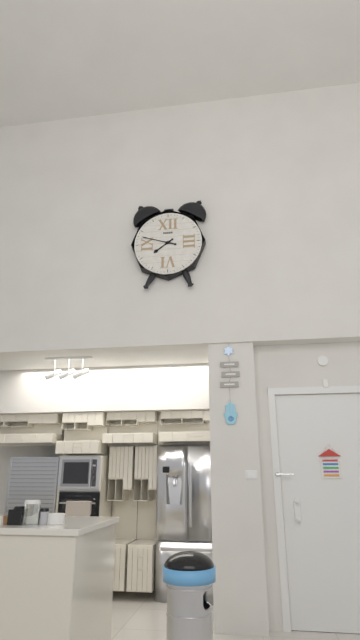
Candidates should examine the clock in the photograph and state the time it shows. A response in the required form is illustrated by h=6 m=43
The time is h=7 m=48
